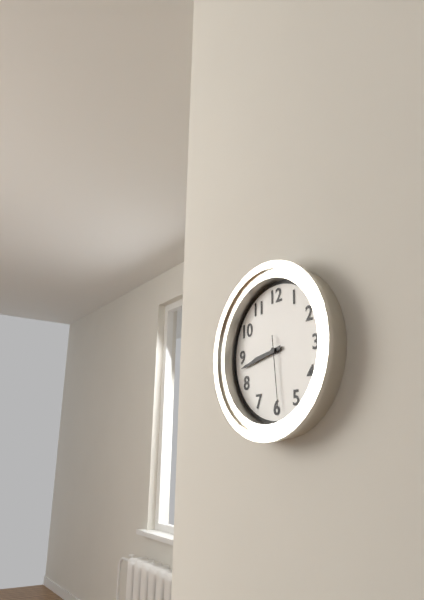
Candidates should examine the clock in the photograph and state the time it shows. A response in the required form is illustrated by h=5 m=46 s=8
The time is h=8 m=43 s=29
